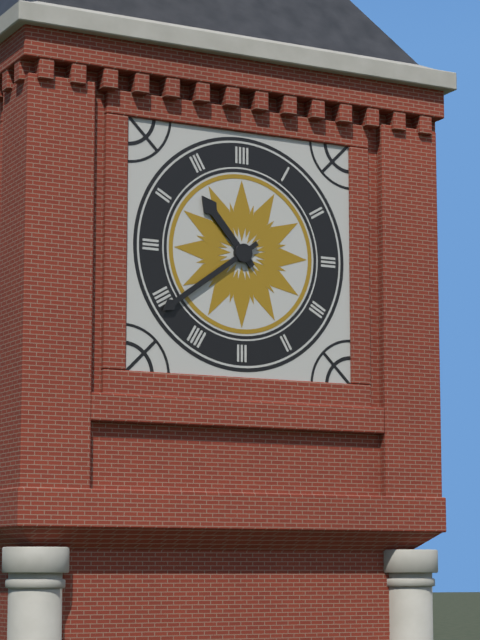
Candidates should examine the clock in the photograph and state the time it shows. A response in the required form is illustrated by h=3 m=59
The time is h=10 m=39
